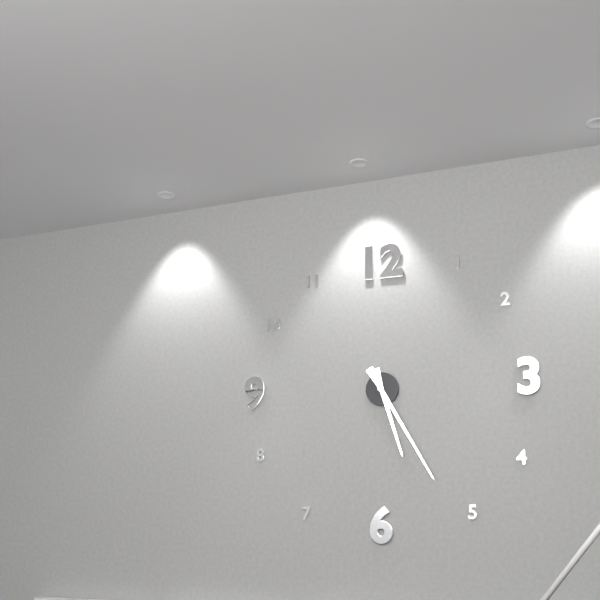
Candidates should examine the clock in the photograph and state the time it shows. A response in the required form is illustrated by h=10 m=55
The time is h=5 m=25
